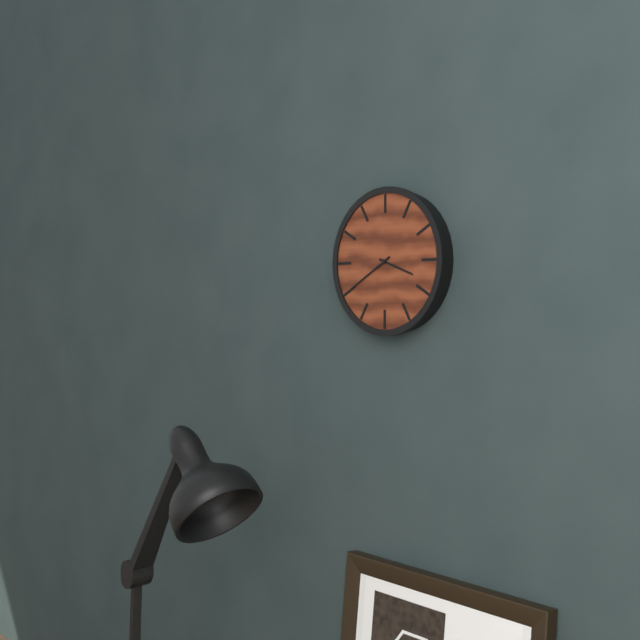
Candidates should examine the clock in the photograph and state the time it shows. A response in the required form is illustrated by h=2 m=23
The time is h=3 m=40
